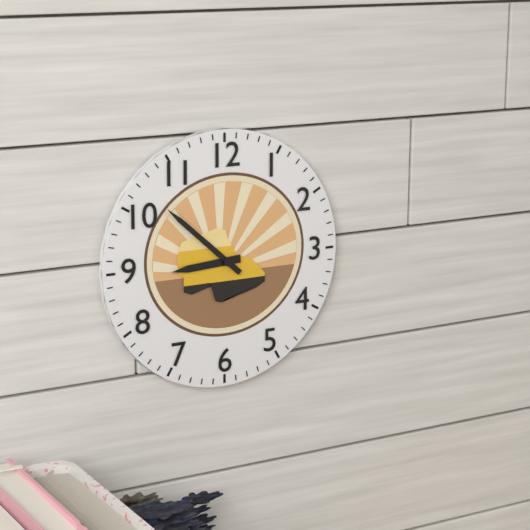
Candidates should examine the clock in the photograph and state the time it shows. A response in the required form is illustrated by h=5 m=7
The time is h=8 m=52
